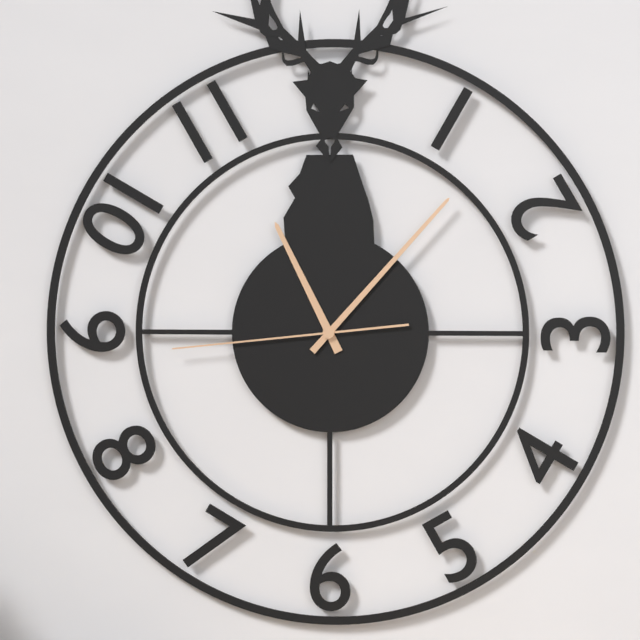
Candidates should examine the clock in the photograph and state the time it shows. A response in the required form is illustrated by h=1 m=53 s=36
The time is h=11 m=7 s=44
